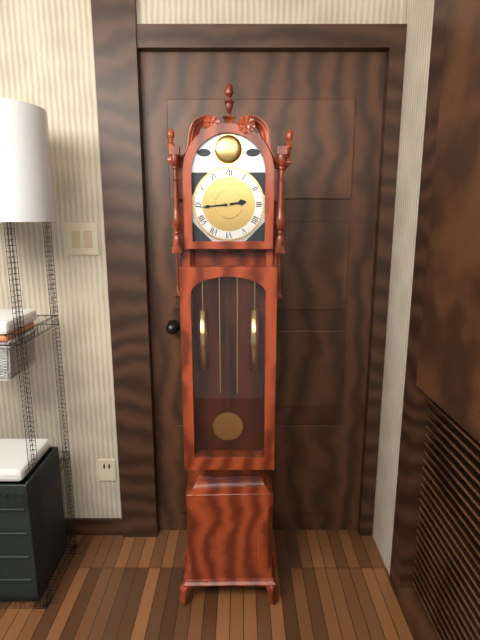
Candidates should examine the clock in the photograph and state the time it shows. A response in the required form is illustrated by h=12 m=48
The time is h=2 m=44
